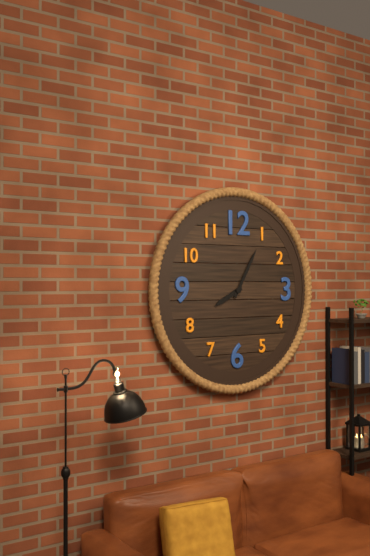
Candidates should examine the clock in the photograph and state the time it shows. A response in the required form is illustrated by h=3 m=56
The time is h=8 m=5
